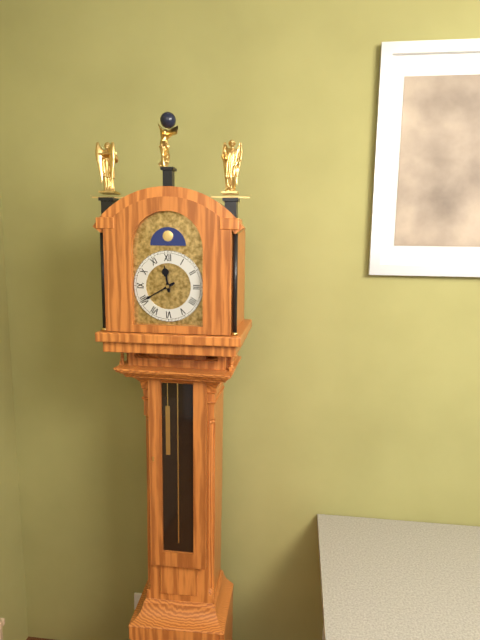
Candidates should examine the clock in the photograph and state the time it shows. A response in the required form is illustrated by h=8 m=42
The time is h=11 m=40
